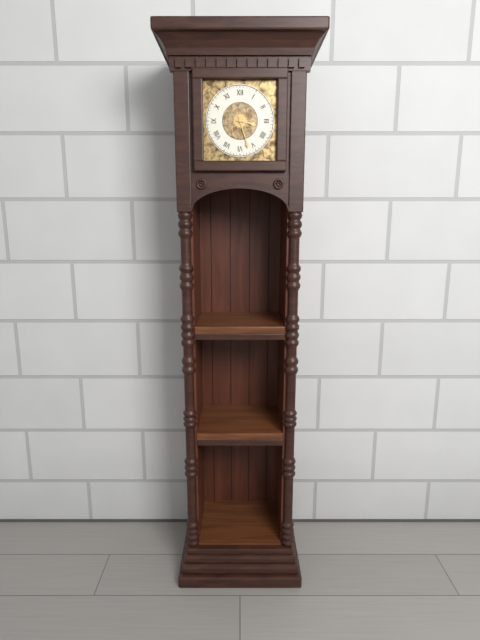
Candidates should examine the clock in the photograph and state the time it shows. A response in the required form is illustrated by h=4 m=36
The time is h=3 m=27
